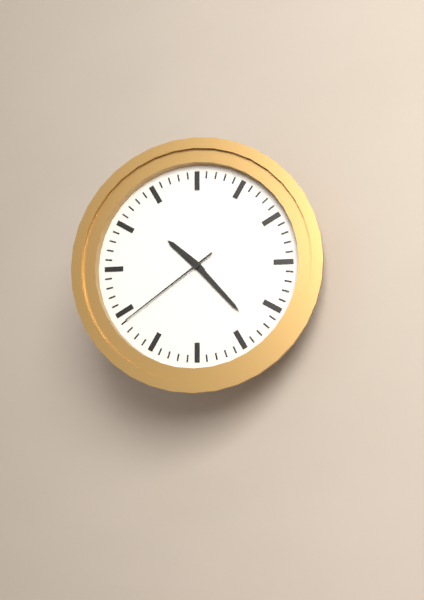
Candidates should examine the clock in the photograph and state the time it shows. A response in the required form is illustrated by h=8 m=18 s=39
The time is h=10 m=23 s=39
